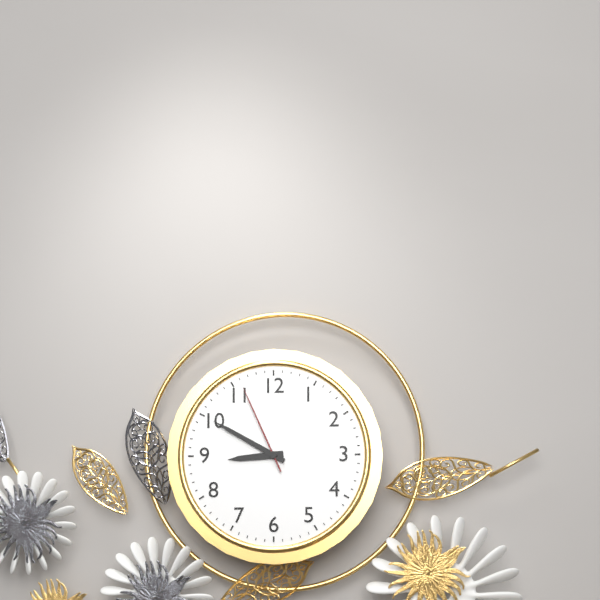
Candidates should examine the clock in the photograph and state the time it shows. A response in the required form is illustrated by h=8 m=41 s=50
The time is h=8 m=50 s=56
